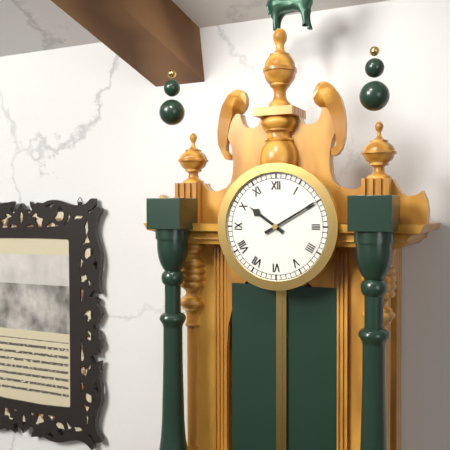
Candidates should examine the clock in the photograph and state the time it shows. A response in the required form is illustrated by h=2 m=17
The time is h=10 m=10
